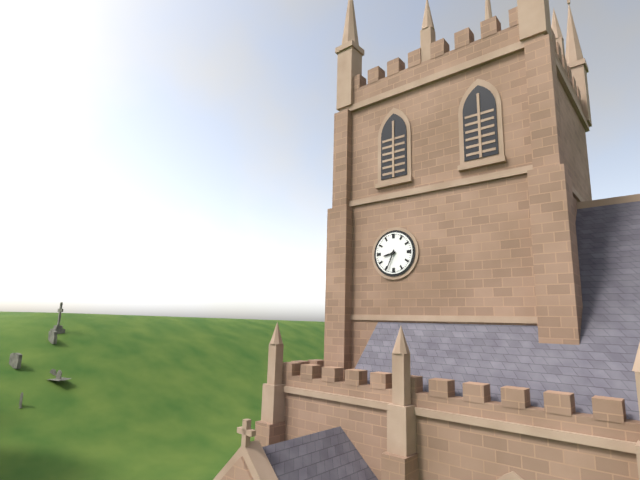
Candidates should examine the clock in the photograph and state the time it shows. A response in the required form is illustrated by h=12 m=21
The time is h=8 m=34
